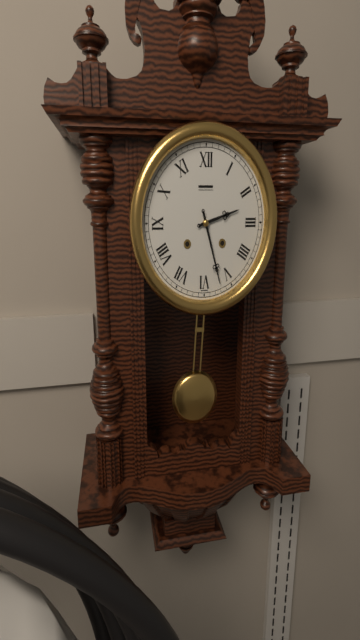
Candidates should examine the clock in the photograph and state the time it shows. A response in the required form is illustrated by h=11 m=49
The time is h=2 m=27
